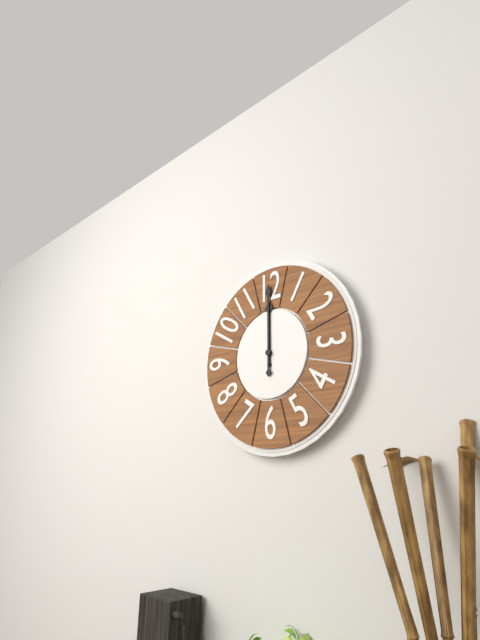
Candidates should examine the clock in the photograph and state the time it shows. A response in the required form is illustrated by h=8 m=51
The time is h=12 m=0
